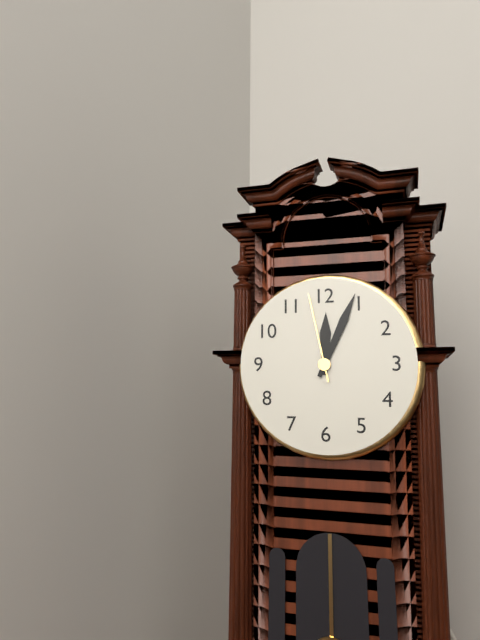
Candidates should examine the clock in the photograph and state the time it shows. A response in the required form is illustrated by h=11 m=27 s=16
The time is h=12 m=4 s=58
